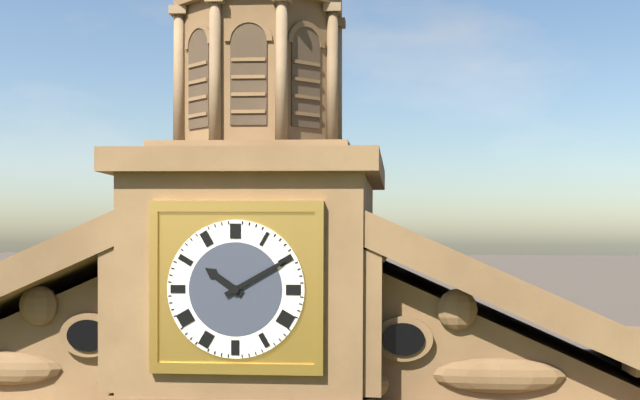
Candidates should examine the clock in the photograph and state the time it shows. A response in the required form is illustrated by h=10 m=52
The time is h=10 m=10
